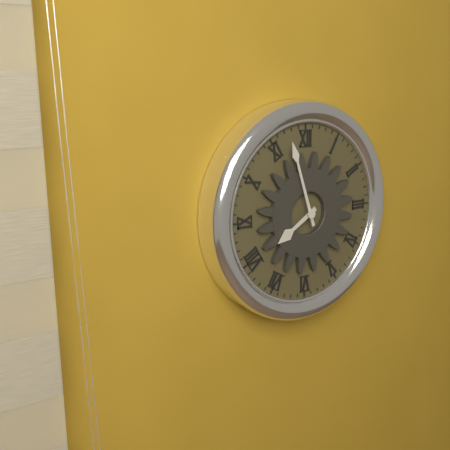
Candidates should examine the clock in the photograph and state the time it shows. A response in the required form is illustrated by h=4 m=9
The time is h=7 m=57
